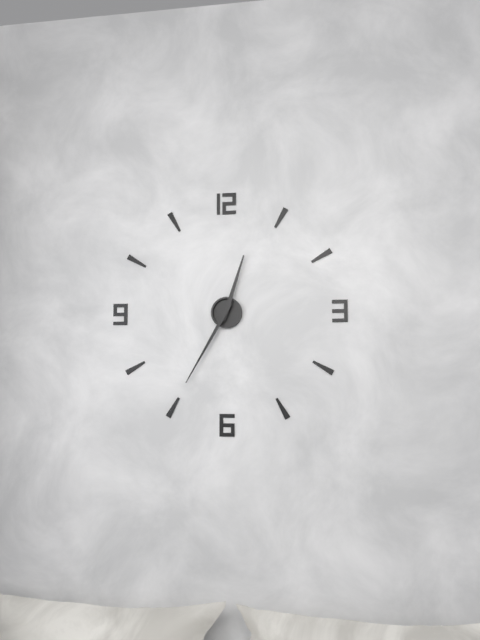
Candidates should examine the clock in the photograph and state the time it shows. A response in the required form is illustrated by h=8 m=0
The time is h=12 m=35
